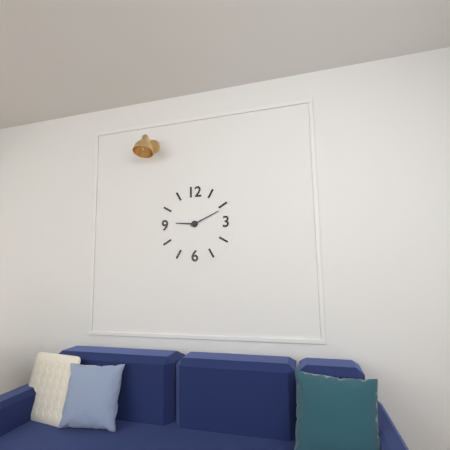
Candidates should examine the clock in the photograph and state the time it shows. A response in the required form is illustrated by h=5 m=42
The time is h=9 m=11
